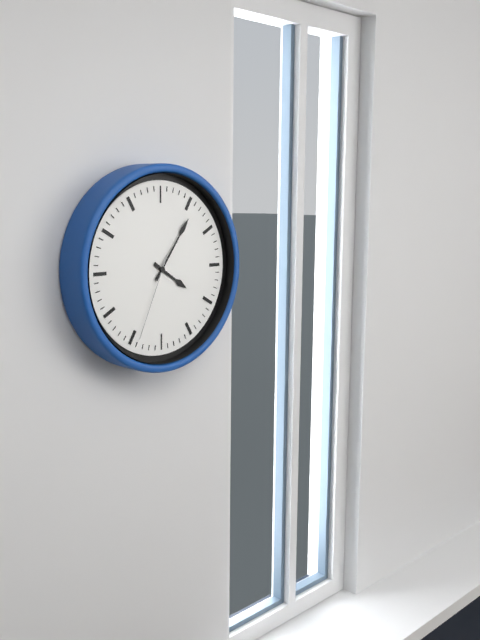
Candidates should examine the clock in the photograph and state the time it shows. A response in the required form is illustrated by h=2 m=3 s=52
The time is h=4 m=6 s=34
